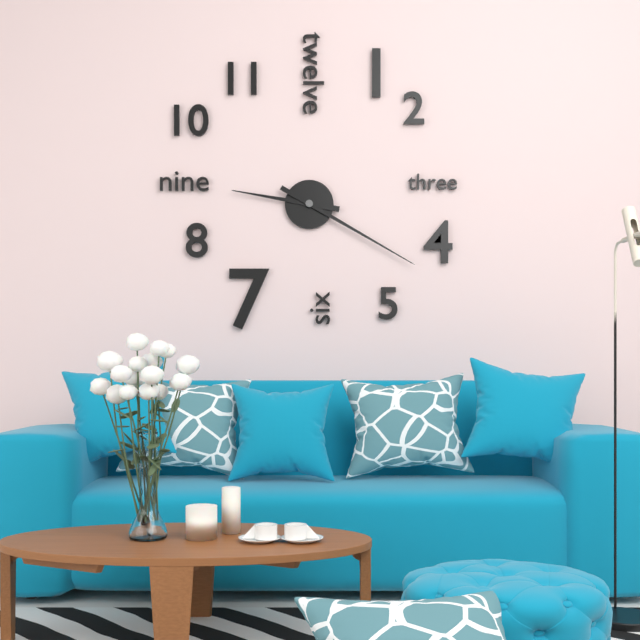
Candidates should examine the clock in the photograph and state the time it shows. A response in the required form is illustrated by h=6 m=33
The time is h=9 m=20
